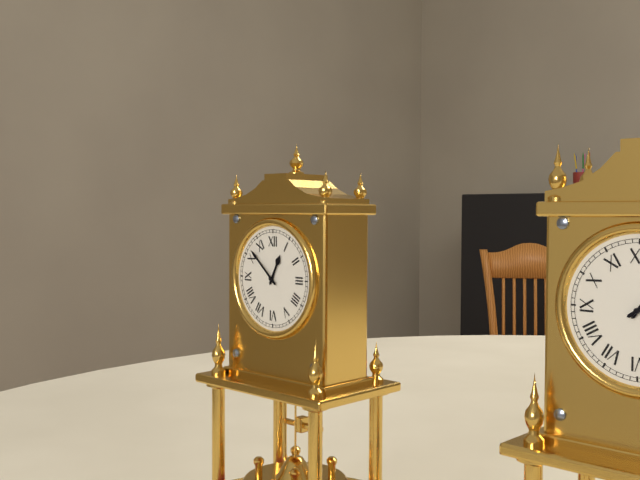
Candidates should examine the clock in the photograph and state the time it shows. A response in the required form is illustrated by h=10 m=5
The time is h=12 m=52
